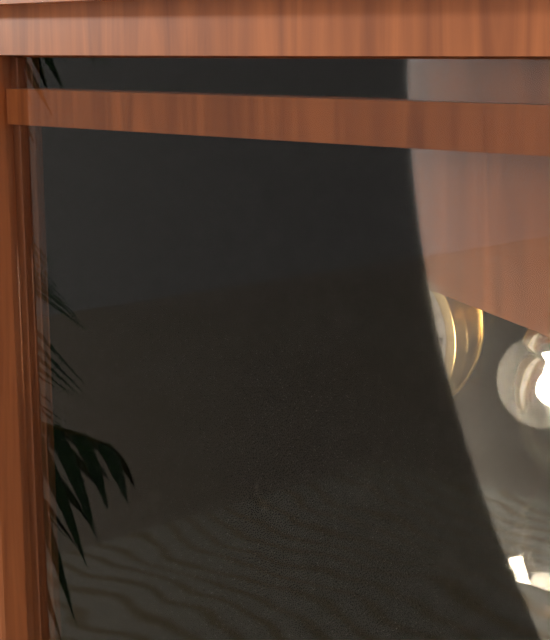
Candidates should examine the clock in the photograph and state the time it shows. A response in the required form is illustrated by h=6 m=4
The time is h=3 m=12
